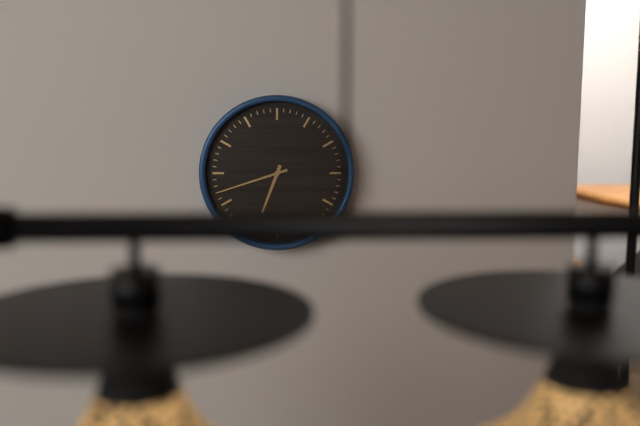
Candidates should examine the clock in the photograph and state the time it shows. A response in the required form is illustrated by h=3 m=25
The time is h=6 m=42
